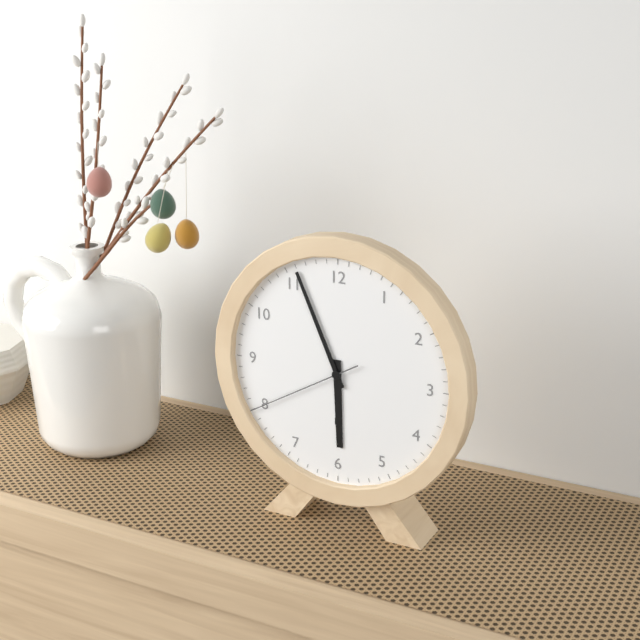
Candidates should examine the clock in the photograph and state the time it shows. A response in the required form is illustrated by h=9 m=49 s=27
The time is h=5 m=56 s=40
